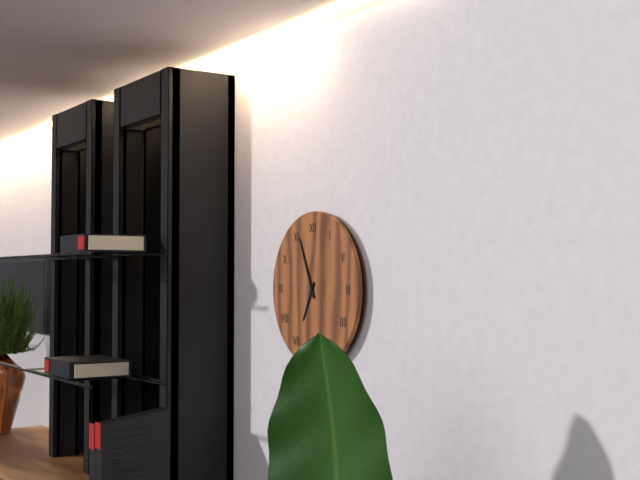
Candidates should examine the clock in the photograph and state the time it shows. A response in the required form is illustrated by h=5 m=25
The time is h=6 m=56
